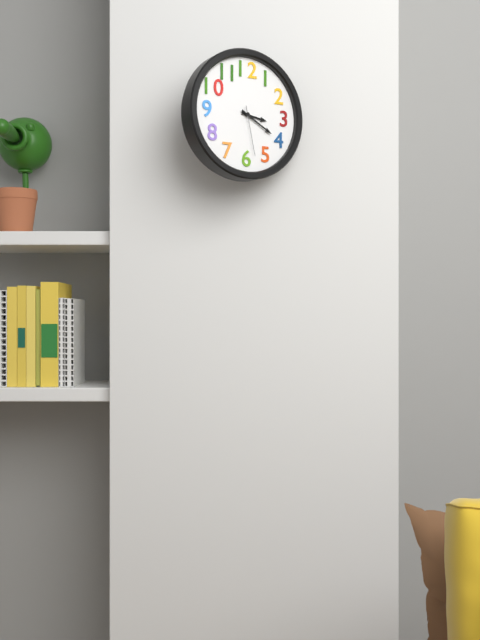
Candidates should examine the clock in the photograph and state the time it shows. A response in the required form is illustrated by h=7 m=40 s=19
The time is h=3 m=20 s=28
